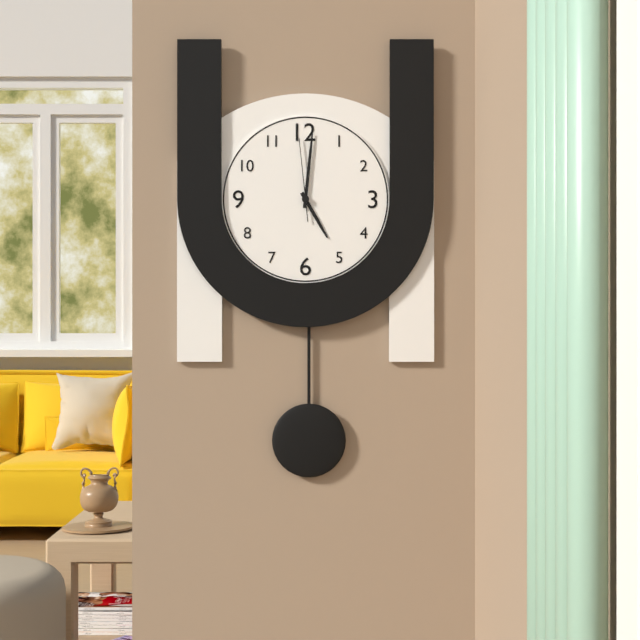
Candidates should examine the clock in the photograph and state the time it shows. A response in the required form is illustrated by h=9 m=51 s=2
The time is h=5 m=1 s=59
